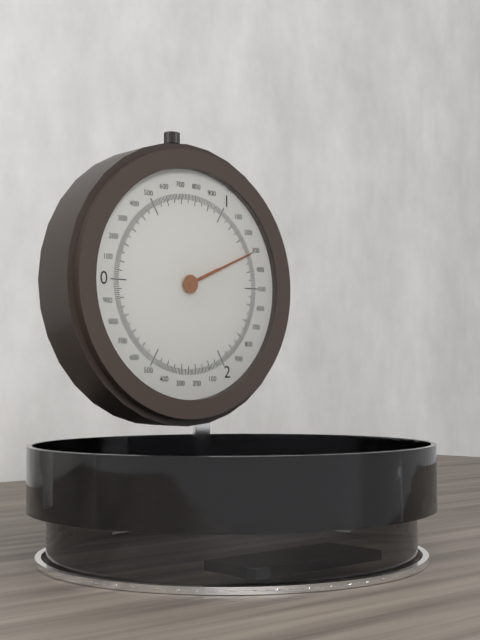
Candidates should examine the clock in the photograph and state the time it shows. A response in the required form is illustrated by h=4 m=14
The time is h=2 m=11
